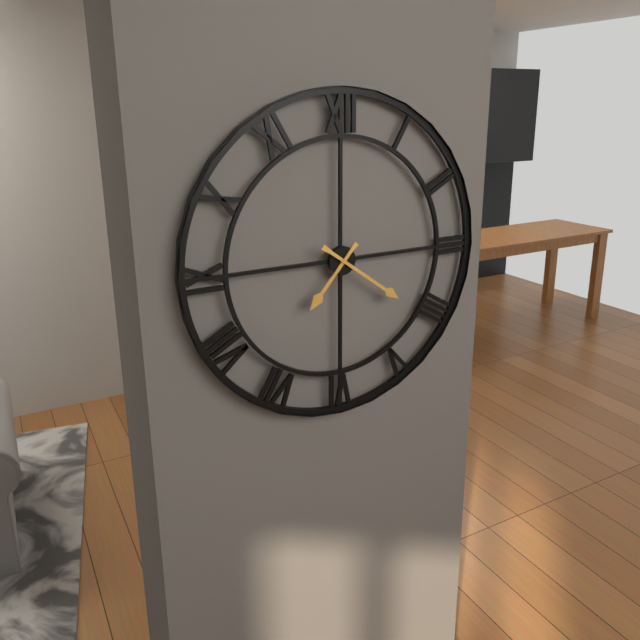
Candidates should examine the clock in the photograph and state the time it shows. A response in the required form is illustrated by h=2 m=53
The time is h=7 m=21
